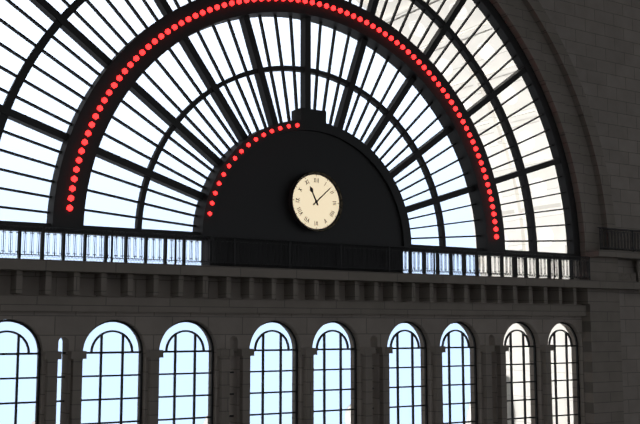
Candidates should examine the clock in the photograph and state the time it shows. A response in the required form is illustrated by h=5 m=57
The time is h=11 m=8
